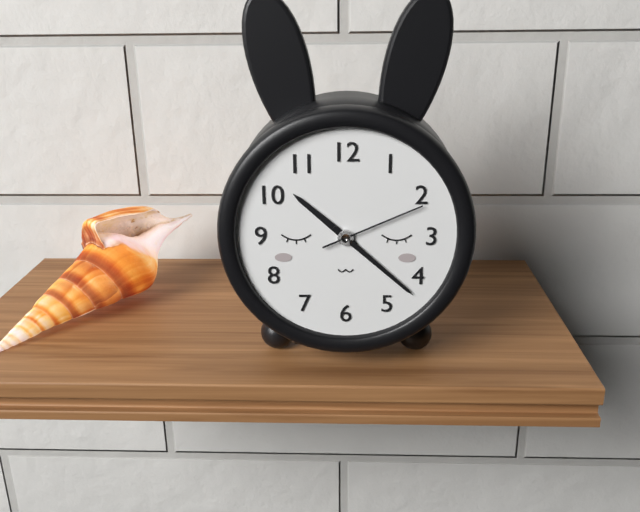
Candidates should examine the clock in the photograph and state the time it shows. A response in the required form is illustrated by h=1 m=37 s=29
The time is h=10 m=22 s=11
